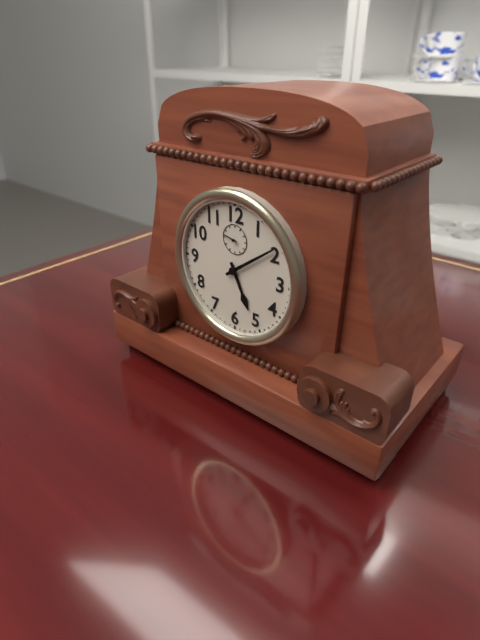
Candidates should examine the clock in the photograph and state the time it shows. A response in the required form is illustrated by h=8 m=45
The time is h=5 m=9
